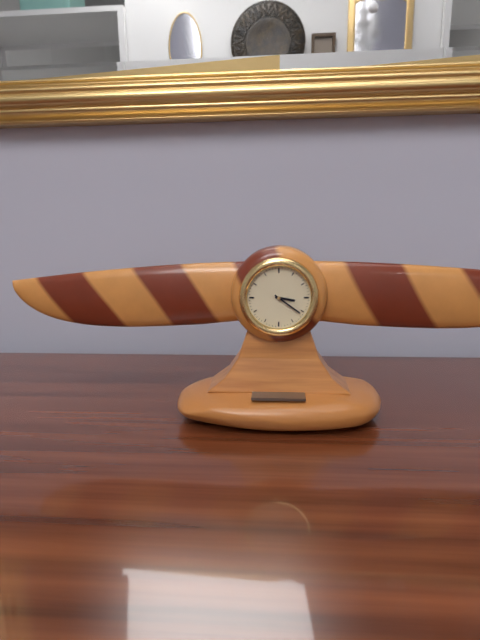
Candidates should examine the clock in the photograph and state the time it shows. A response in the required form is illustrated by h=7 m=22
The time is h=3 m=21
